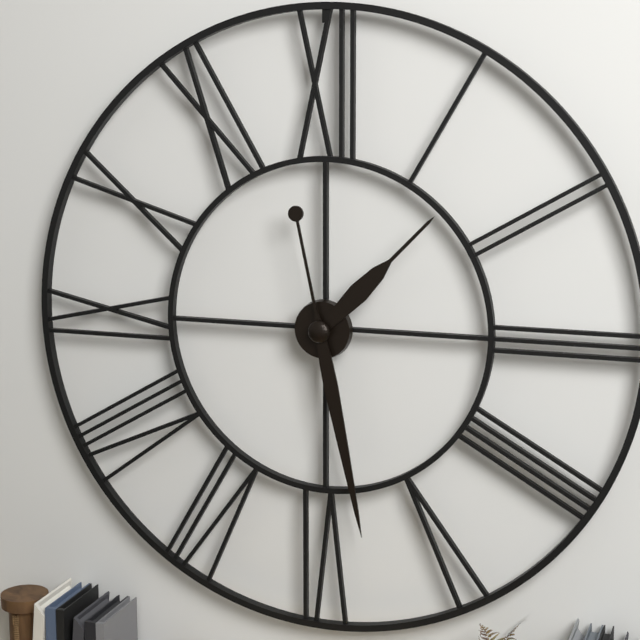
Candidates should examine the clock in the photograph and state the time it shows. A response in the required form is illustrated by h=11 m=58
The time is h=1 m=28
